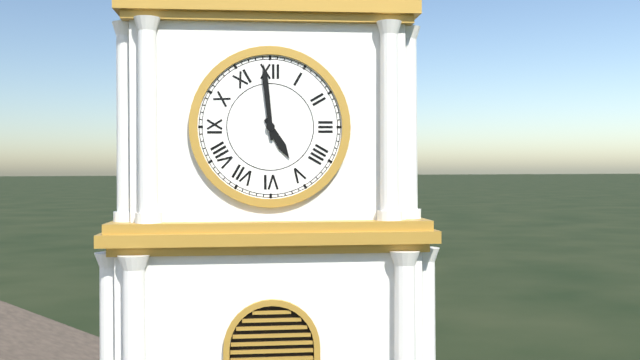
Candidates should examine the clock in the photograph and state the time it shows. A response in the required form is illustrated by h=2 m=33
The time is h=4 m=59
